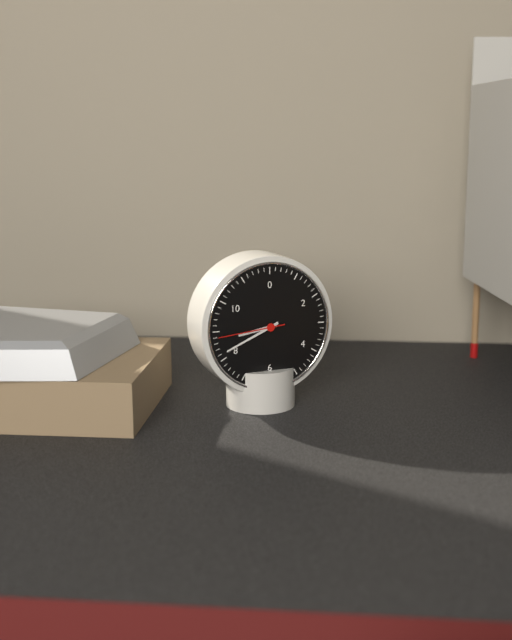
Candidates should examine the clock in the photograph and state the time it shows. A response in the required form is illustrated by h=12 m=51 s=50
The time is h=8 m=41 s=44
